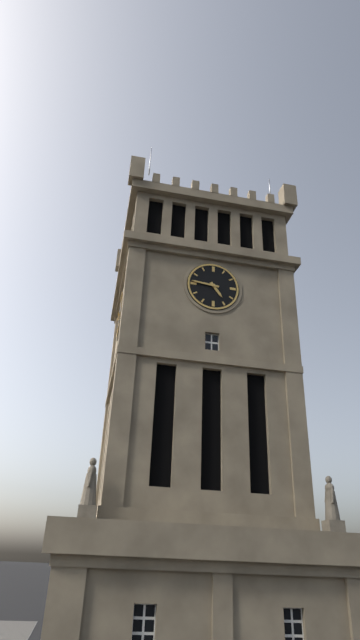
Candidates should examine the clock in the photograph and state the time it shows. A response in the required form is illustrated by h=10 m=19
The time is h=4 m=46
